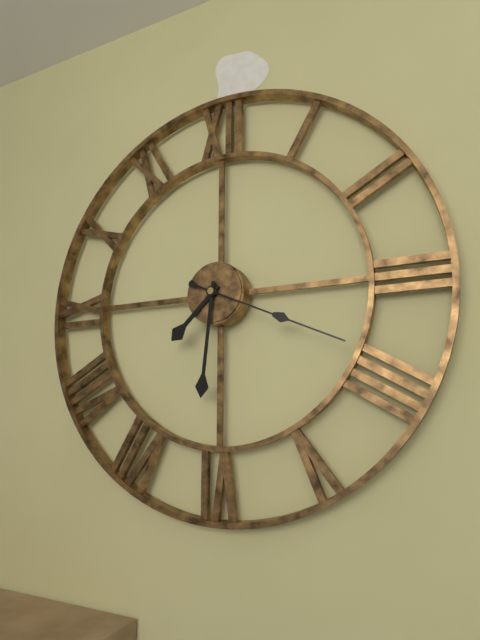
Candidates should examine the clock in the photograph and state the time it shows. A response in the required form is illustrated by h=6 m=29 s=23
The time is h=7 m=31 s=19
